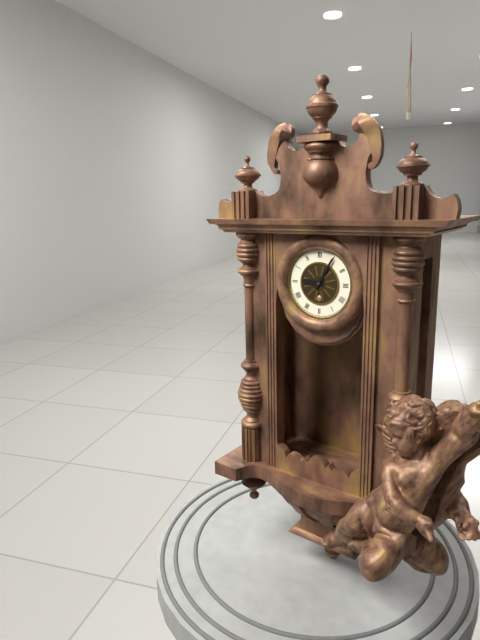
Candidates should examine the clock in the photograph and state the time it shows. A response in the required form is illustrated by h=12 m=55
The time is h=9 m=5
